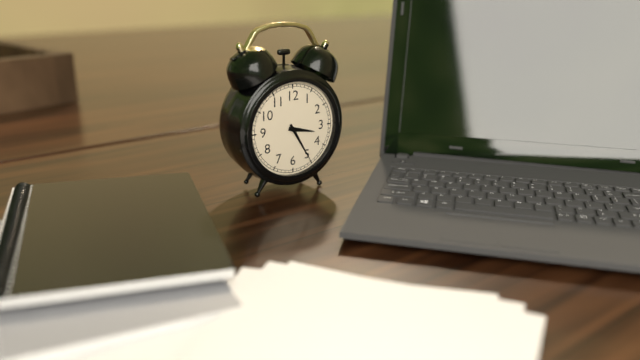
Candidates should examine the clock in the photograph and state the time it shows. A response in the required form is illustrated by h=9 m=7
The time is h=3 m=25
